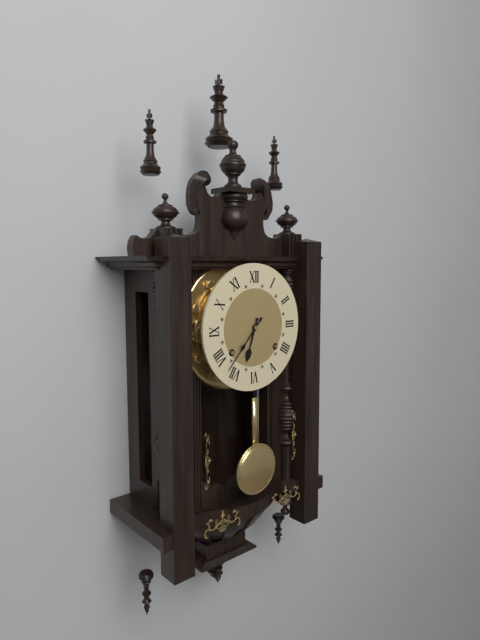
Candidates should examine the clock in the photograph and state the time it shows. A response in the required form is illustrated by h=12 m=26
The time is h=6 m=37
